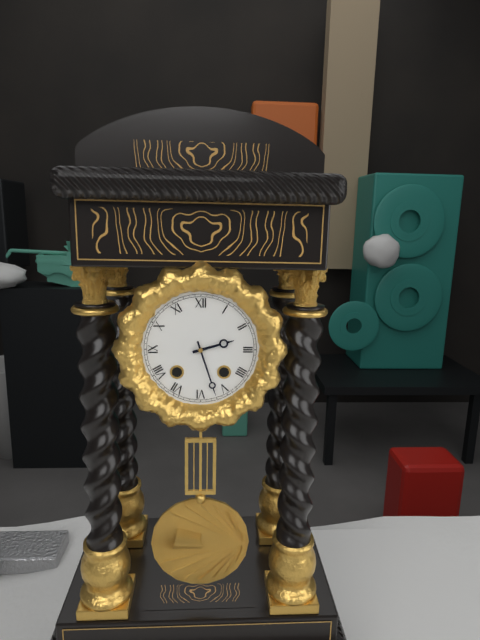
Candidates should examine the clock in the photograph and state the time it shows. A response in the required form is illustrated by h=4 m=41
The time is h=2 m=27
